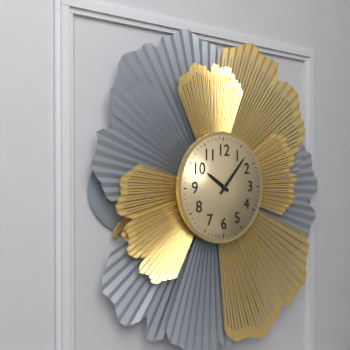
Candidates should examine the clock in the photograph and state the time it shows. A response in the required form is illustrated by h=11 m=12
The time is h=10 m=7
